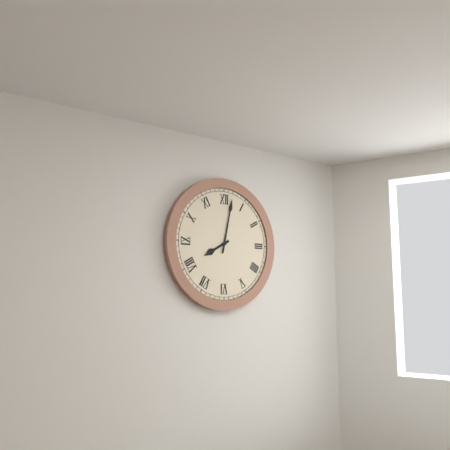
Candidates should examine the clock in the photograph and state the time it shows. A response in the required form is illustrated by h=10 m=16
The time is h=8 m=2
